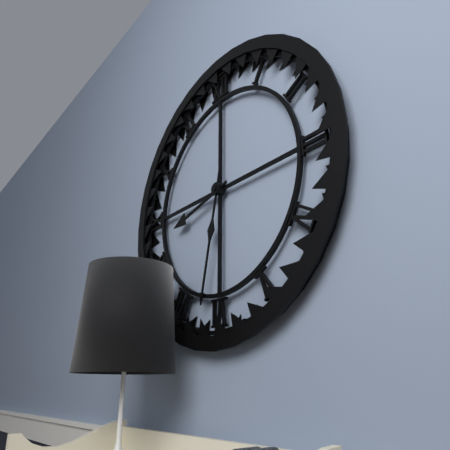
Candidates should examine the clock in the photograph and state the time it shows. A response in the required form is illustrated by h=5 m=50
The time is h=8 m=32
